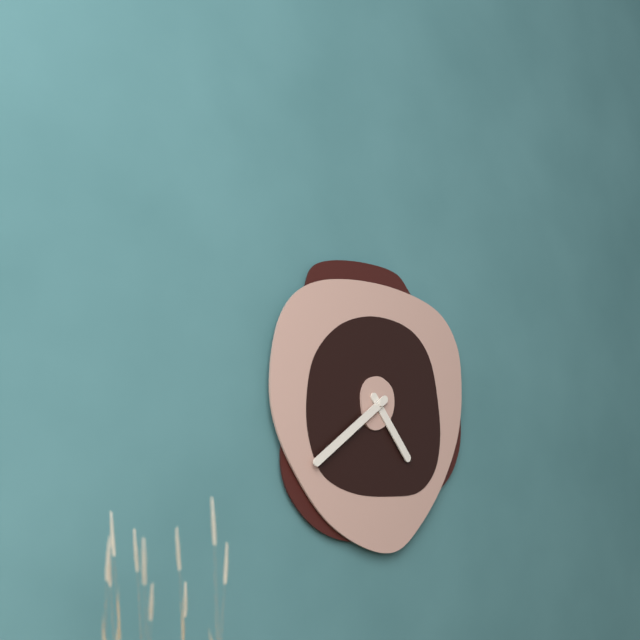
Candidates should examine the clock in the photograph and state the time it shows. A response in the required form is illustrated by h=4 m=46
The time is h=4 m=39
